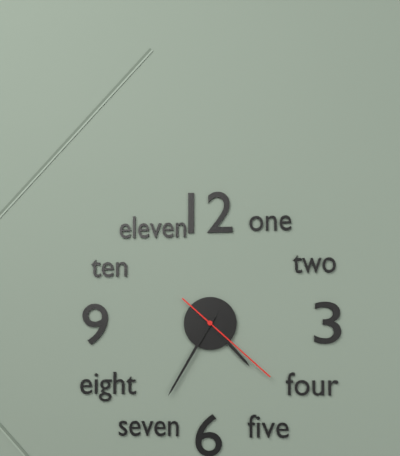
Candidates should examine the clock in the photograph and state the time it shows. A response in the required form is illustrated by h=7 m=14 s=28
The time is h=4 m=35 s=22
